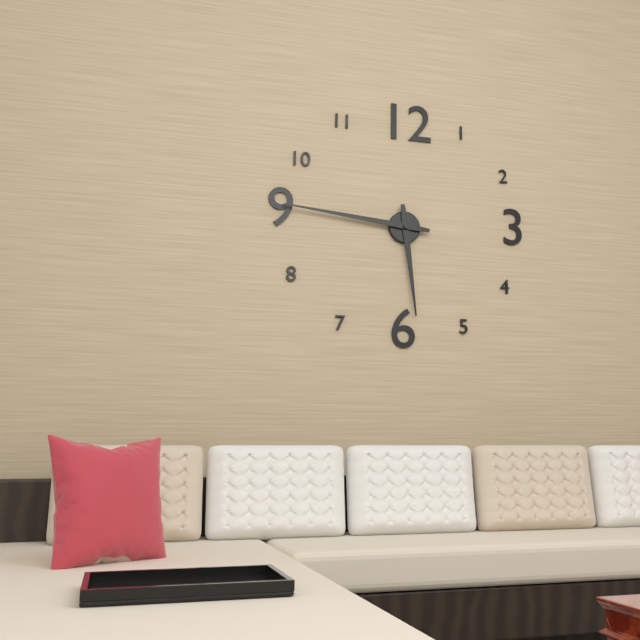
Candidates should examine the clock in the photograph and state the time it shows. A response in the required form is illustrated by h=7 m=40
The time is h=5 m=46
